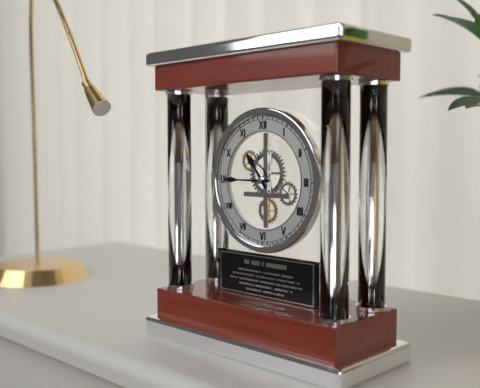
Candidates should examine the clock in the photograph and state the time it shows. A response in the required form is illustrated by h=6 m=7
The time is h=10 m=45
